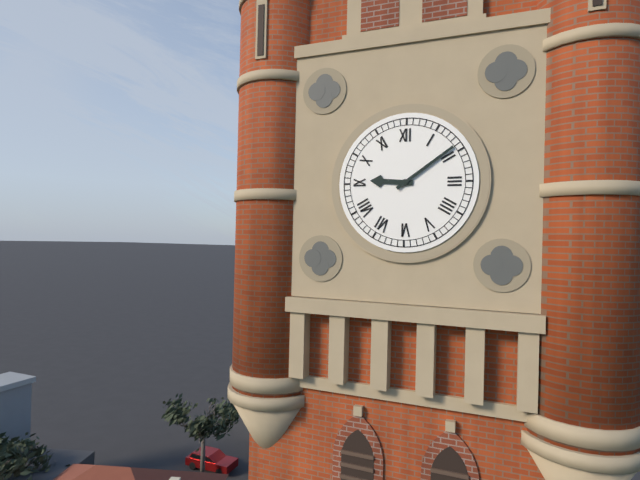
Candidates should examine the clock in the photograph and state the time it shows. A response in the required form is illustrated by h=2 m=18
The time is h=9 m=9
